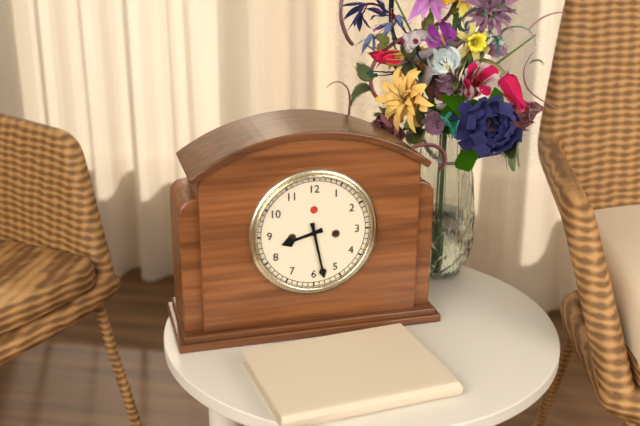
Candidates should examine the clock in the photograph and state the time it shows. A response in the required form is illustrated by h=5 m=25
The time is h=8 m=28
